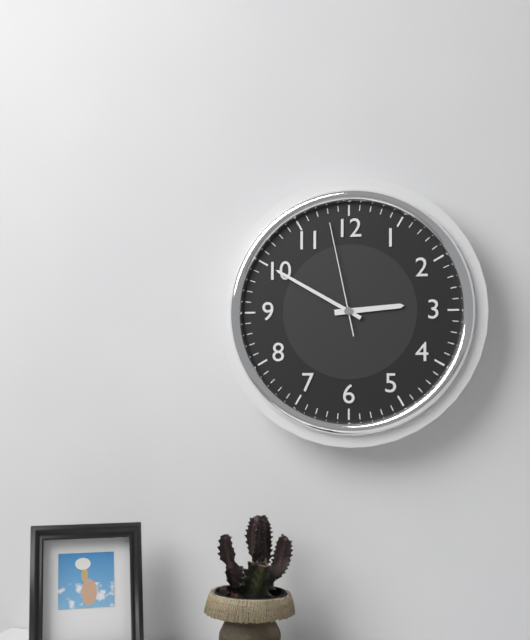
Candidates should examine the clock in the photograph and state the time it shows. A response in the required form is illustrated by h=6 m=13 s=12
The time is h=2 m=50 s=58
